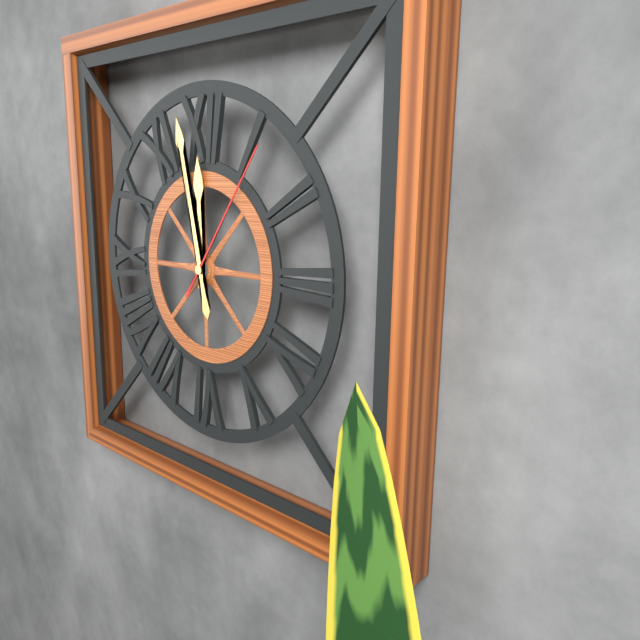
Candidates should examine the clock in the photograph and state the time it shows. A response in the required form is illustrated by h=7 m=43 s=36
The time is h=11 m=58 s=6
